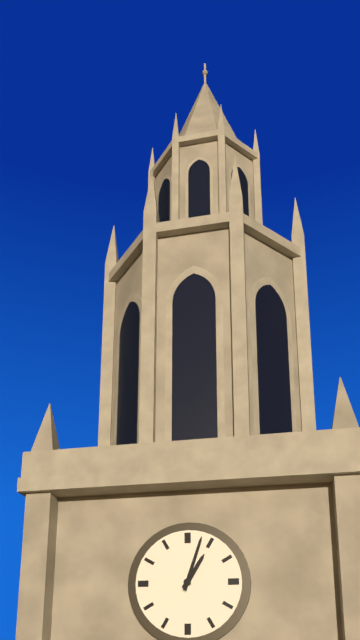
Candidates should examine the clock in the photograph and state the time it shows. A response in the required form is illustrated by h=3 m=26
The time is h=1 m=3
